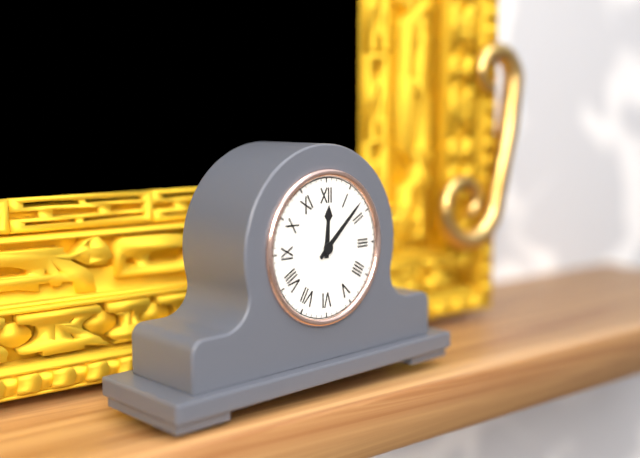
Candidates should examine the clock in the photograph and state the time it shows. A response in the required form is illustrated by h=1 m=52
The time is h=12 m=8
